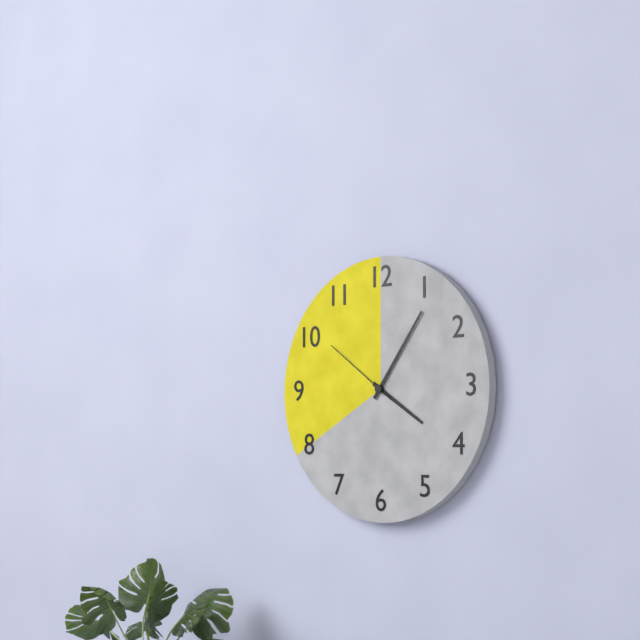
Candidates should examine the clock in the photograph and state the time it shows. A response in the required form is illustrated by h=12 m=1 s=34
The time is h=4 m=6 s=51
